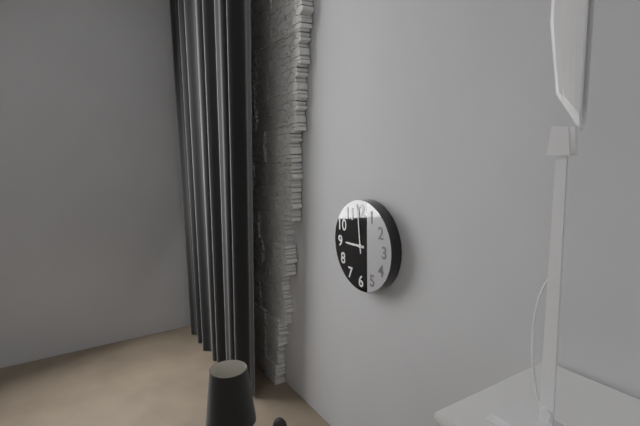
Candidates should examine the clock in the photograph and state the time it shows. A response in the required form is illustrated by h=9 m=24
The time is h=8 m=59
